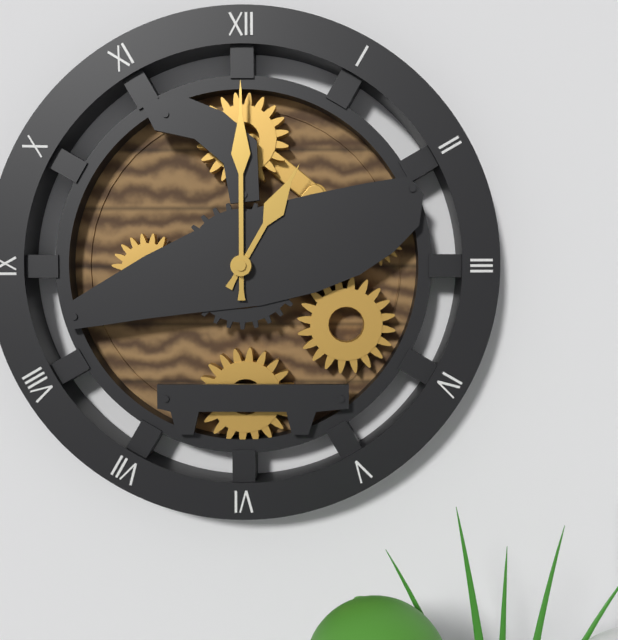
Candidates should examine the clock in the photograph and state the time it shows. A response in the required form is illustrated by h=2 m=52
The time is h=1 m=0
